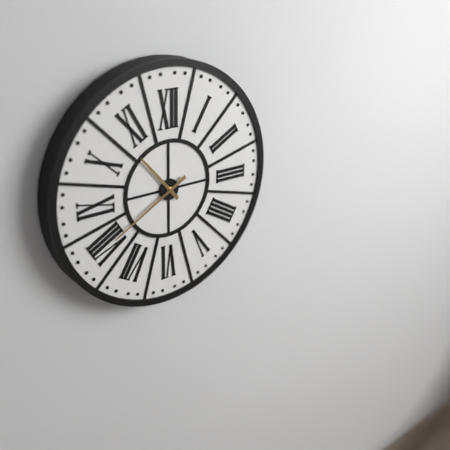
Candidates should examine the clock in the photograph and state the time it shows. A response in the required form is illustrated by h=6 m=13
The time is h=10 m=40
